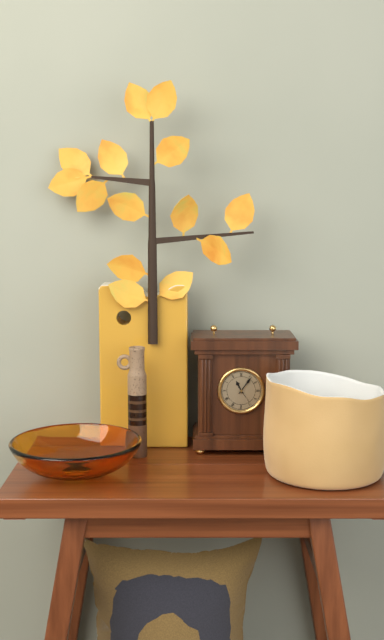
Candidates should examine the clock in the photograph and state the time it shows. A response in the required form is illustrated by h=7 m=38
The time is h=11 m=6
